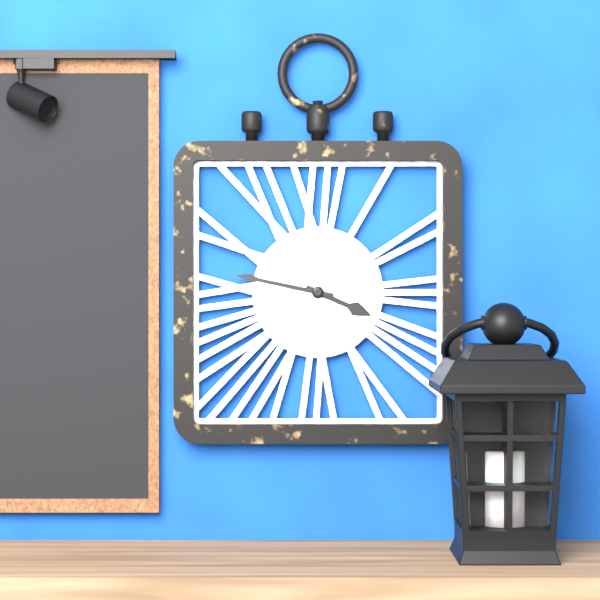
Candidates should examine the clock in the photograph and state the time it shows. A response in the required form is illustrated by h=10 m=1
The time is h=3 m=47
